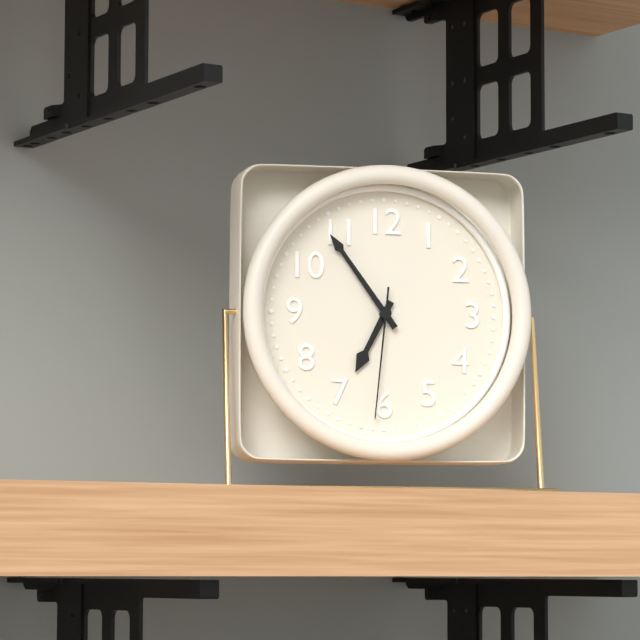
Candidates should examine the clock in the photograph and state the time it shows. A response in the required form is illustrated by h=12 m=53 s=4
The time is h=6 m=54 s=31
